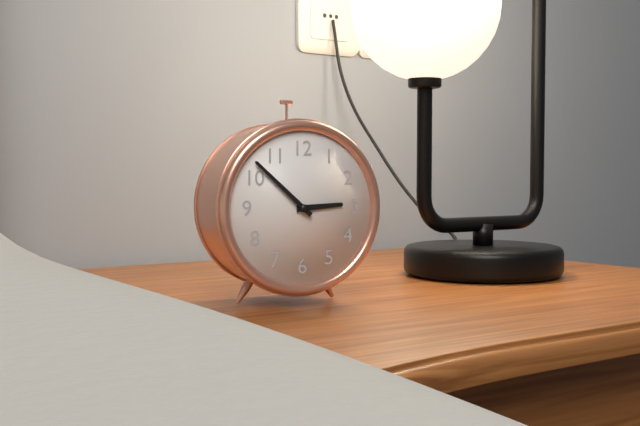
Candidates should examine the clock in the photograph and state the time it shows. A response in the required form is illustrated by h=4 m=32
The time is h=2 m=52
